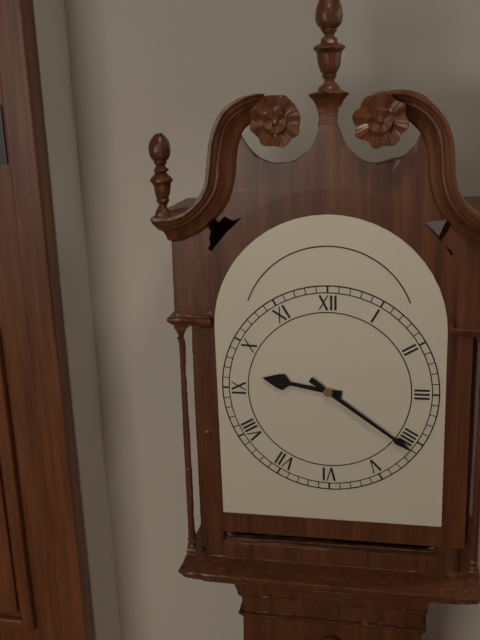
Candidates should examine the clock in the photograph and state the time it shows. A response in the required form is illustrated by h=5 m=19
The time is h=9 m=21
